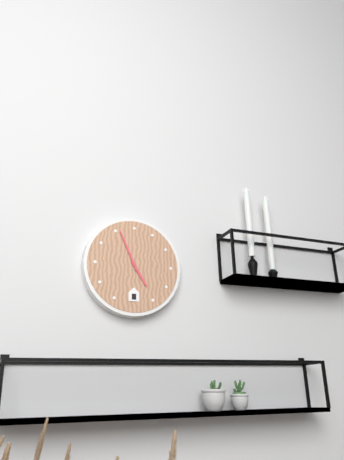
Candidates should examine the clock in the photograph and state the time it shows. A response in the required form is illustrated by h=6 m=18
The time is h=4 m=56
